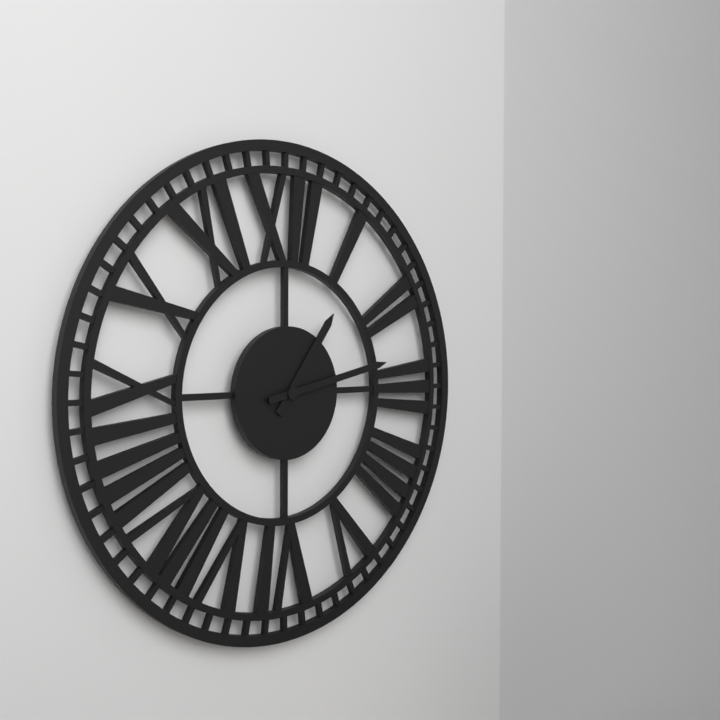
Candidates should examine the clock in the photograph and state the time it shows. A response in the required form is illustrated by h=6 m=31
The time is h=1 m=13
